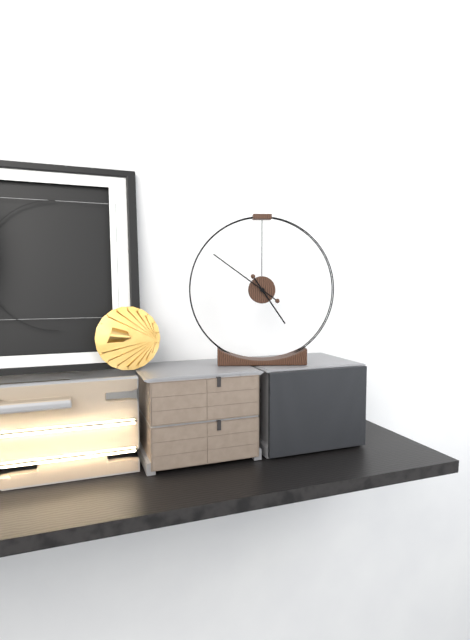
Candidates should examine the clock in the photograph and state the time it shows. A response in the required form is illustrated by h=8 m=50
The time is h=4 m=51
